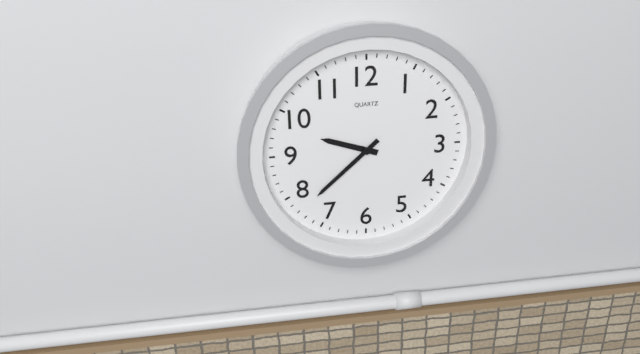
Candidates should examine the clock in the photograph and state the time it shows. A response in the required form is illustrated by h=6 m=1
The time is h=9 m=38
